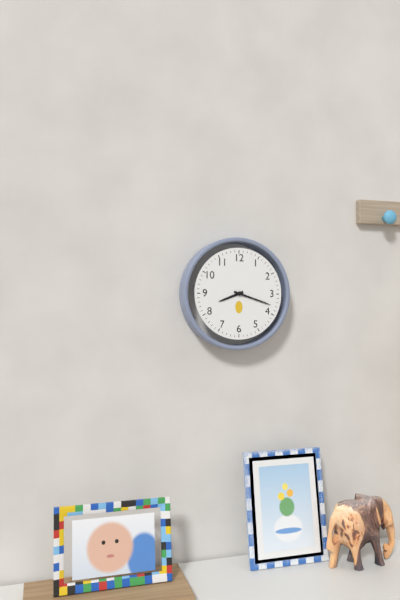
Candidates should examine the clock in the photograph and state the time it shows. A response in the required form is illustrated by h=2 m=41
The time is h=8 m=18
